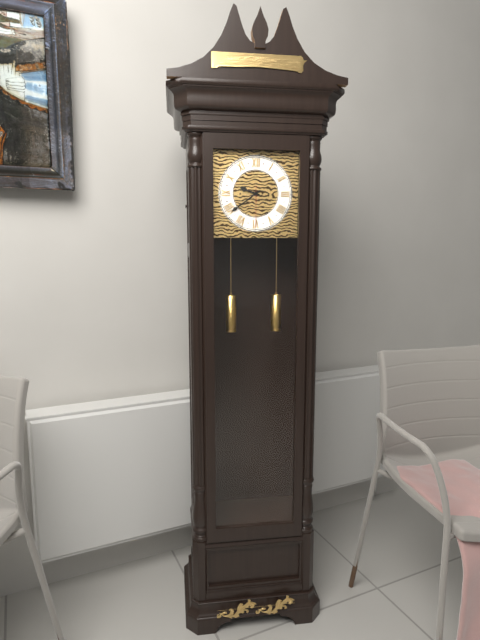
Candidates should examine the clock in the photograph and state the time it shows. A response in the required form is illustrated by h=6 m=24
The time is h=9 m=39
